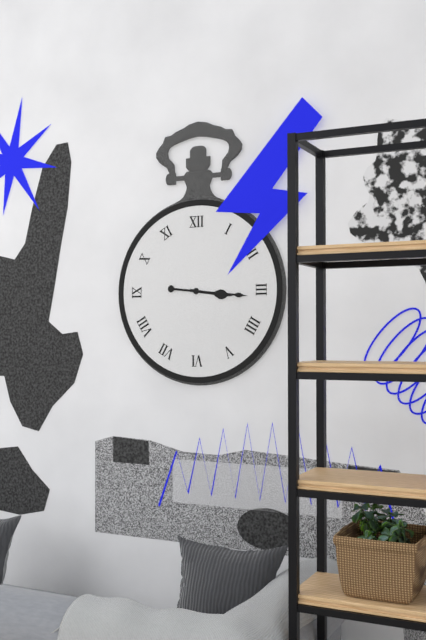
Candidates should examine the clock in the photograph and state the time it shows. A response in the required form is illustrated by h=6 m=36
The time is h=3 m=16
